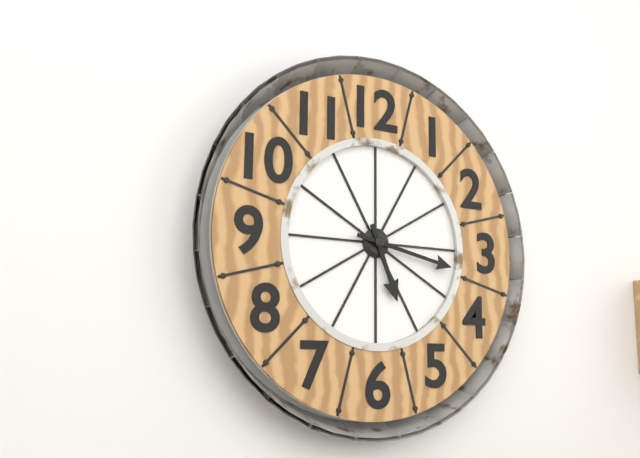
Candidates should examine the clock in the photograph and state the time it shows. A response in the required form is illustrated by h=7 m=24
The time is h=5 m=17
